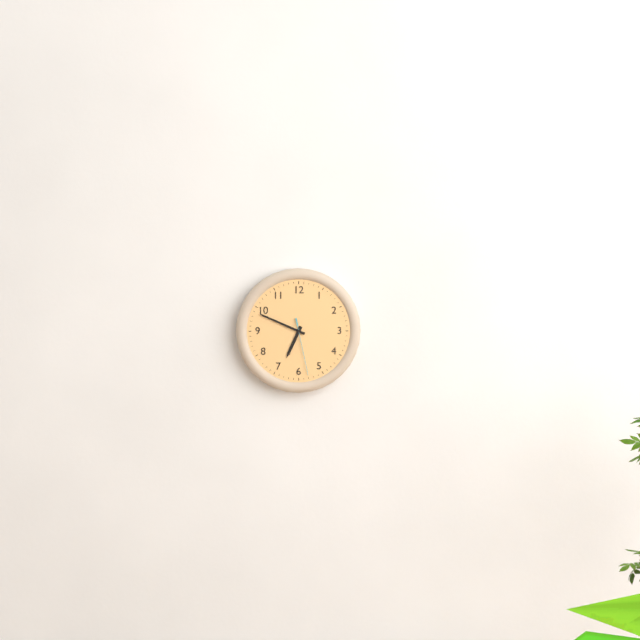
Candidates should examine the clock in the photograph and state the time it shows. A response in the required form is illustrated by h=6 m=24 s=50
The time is h=6 m=49 s=28
